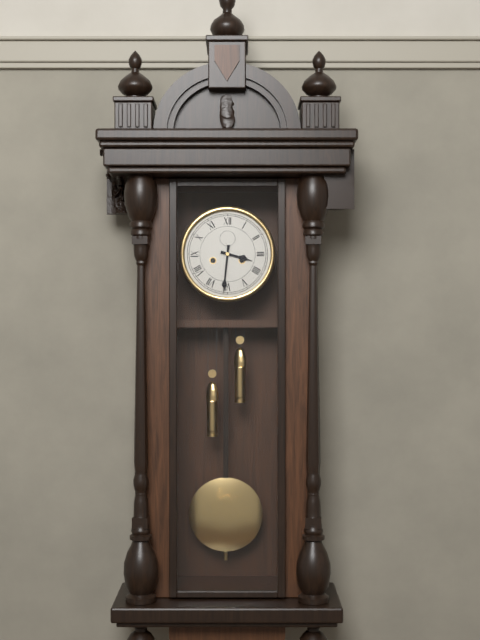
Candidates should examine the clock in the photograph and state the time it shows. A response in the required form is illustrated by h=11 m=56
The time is h=3 m=31
